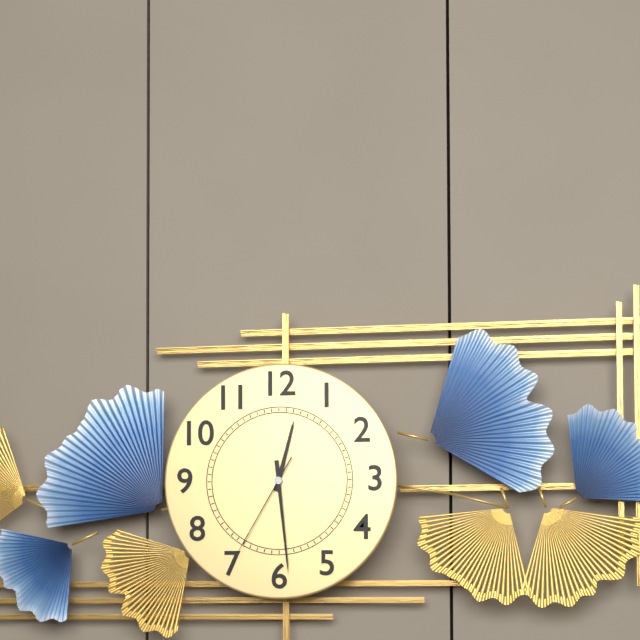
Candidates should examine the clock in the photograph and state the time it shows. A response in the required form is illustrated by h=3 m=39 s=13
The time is h=12 m=29 s=35
